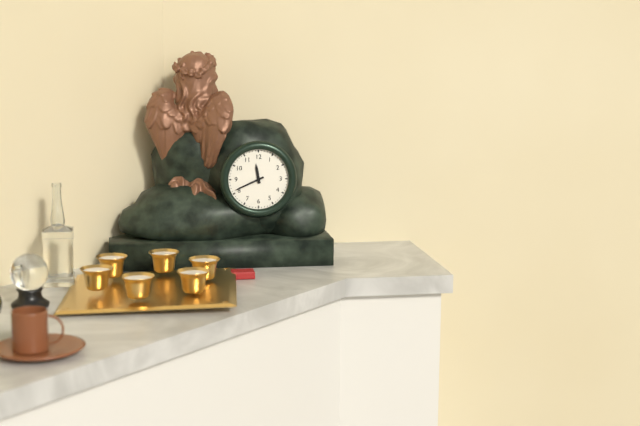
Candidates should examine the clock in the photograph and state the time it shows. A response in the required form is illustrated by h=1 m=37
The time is h=11 m=41
